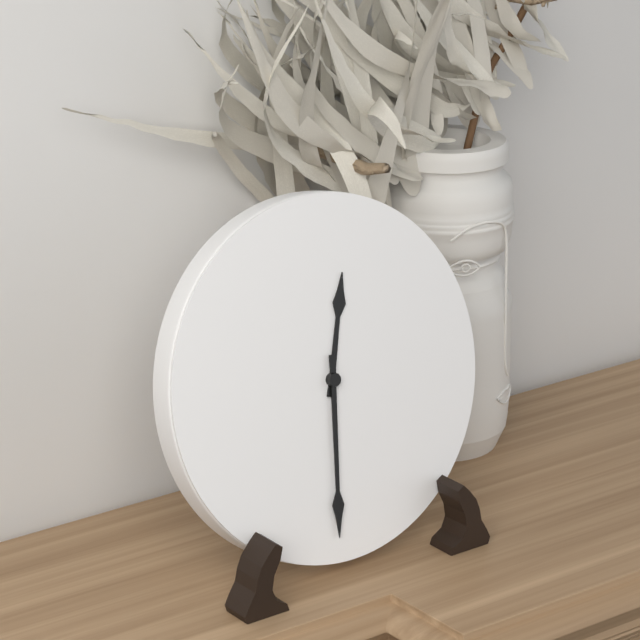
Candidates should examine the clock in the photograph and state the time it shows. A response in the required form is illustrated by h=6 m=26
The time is h=12 m=31
